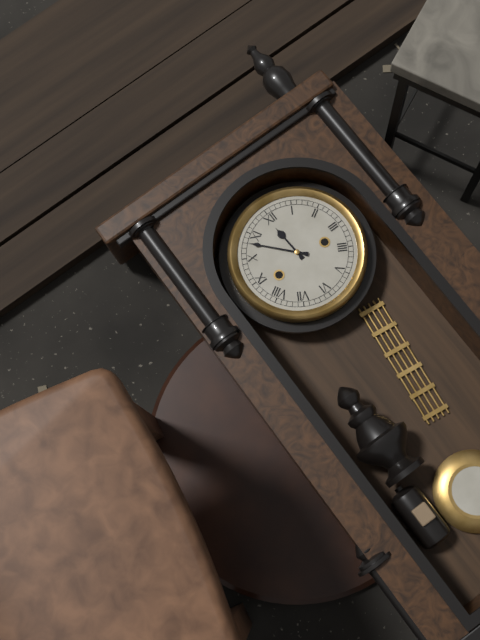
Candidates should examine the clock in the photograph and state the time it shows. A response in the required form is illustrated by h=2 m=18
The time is h=11 m=53
